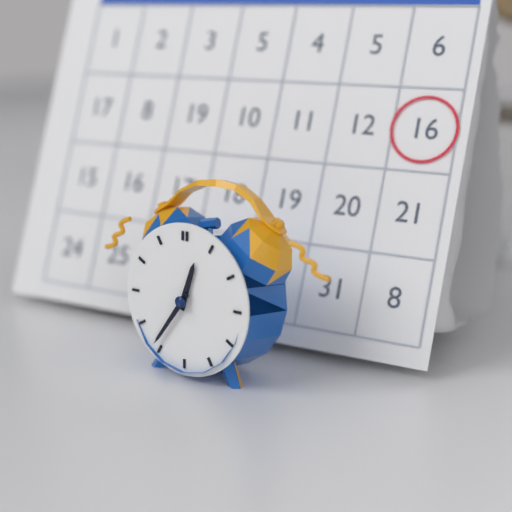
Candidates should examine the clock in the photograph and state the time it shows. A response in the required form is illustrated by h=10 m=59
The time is h=12 m=36
